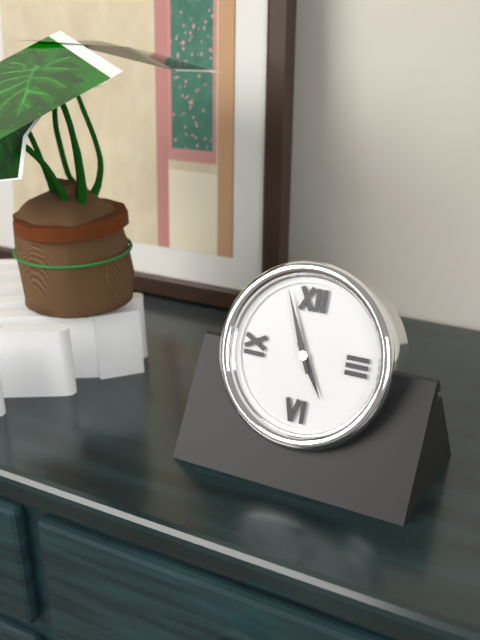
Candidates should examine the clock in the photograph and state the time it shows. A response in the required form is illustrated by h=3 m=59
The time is h=4 m=56
